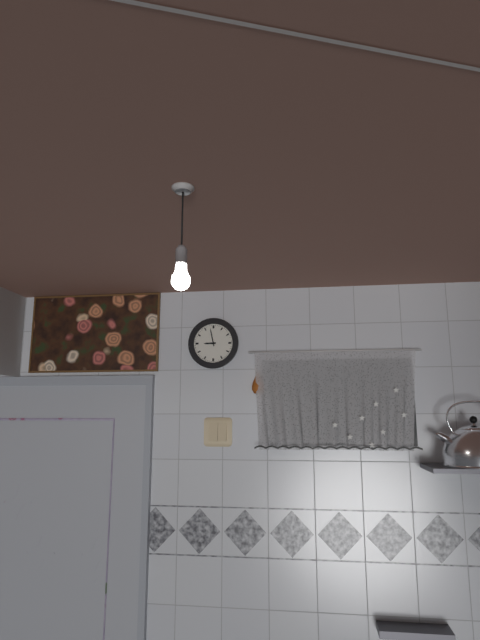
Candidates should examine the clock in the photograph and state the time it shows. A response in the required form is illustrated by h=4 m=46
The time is h=8 m=58
